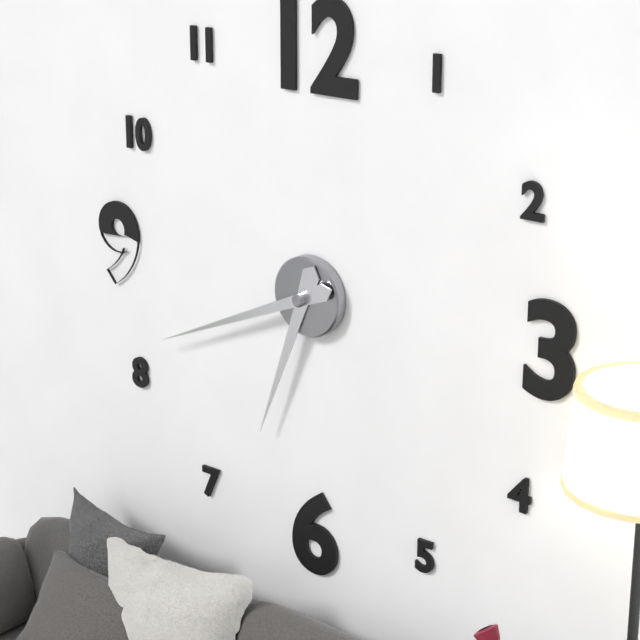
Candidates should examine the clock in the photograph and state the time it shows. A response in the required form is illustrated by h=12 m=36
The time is h=6 m=41
